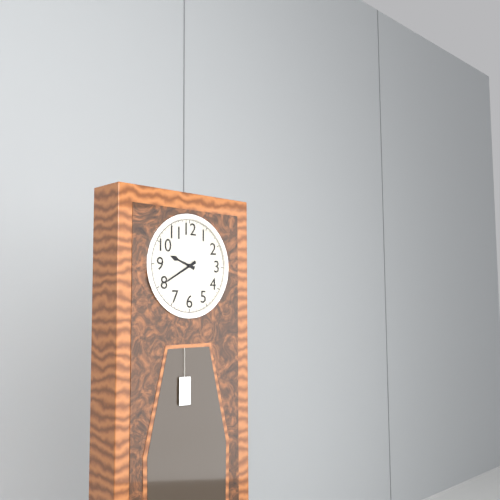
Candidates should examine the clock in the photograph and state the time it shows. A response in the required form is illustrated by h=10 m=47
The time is h=9 m=40
